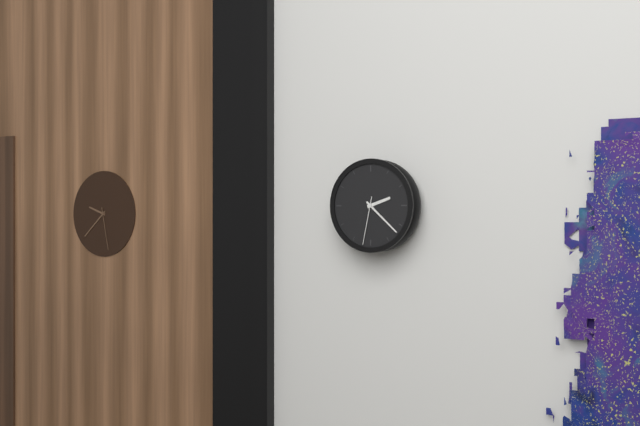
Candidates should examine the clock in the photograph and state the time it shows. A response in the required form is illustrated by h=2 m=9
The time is h=2 m=22
